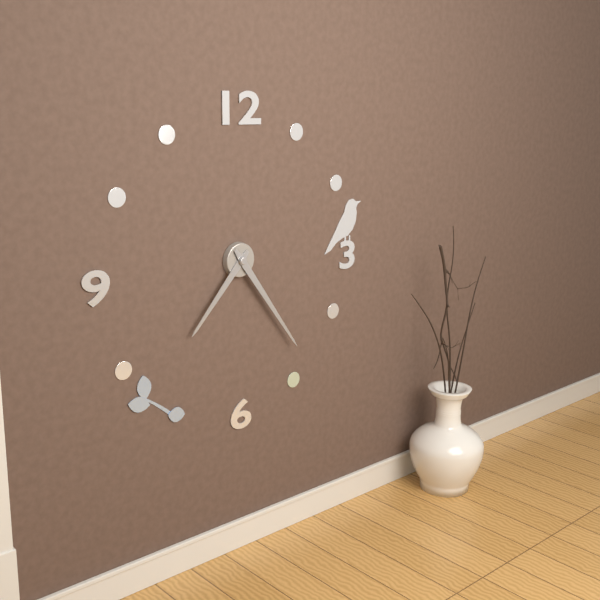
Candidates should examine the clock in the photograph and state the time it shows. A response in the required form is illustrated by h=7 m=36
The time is h=7 m=24
